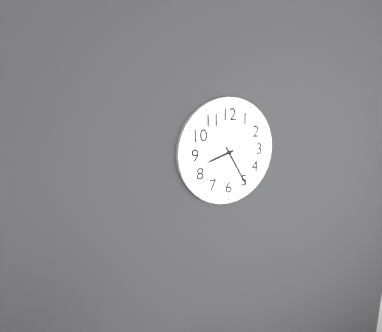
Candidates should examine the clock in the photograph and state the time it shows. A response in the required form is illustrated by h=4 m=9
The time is h=8 m=25
